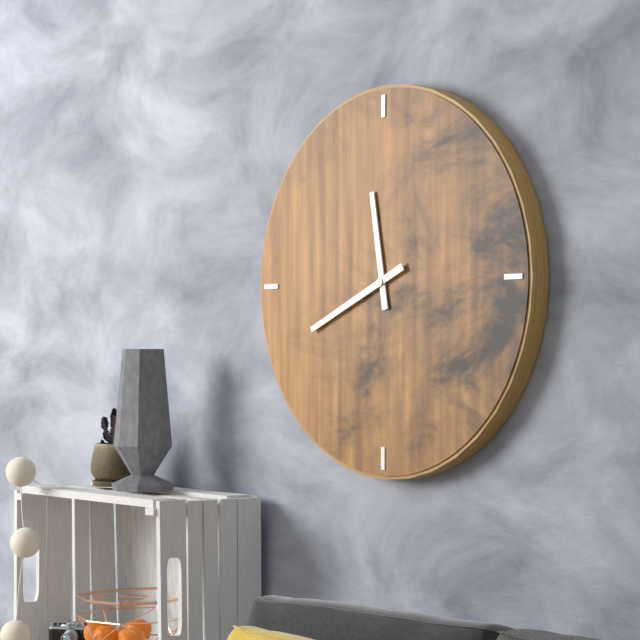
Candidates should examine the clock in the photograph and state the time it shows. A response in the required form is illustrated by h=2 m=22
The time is h=11 m=41
